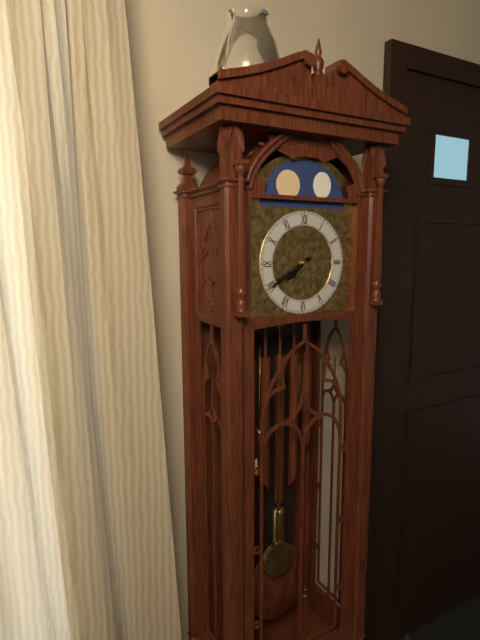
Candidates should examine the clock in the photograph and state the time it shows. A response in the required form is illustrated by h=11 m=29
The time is h=7 m=40
